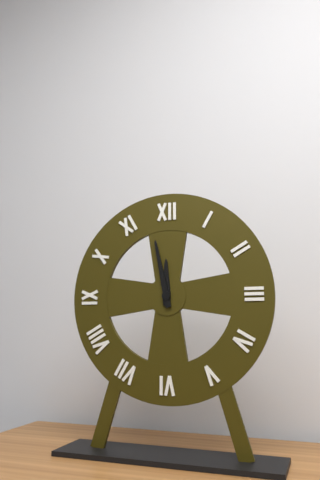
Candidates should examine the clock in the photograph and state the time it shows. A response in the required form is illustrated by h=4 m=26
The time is h=11 m=58
